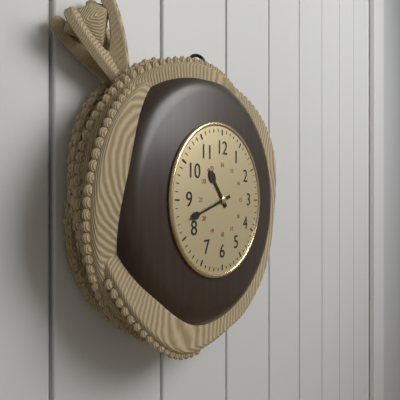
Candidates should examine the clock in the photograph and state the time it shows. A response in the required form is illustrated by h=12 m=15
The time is h=10 m=42
